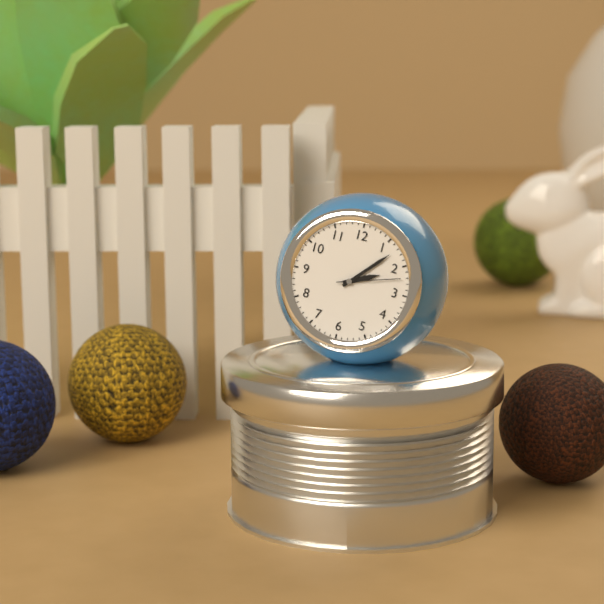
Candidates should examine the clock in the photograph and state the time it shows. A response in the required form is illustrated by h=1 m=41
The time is h=2 m=7
